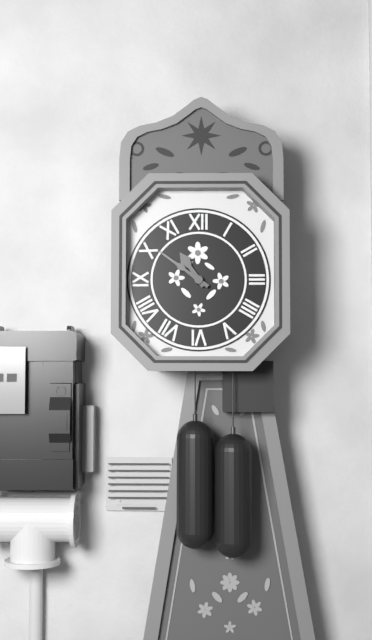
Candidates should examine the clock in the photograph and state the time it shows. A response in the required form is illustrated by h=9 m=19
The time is h=10 m=51
